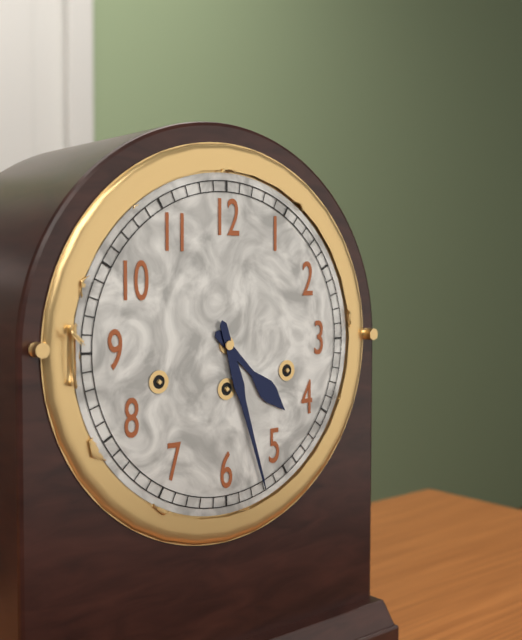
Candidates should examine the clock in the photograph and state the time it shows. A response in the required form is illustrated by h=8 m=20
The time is h=4 m=27
